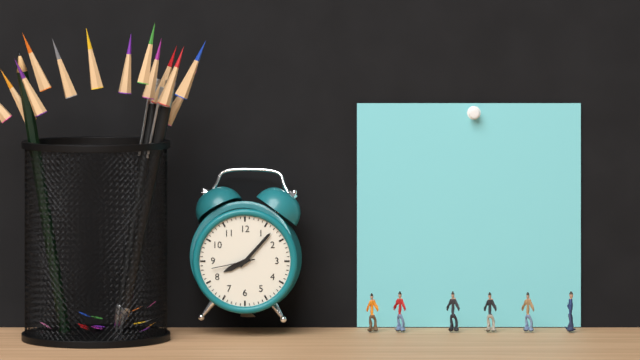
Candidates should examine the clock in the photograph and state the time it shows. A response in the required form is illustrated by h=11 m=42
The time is h=8 m=7
